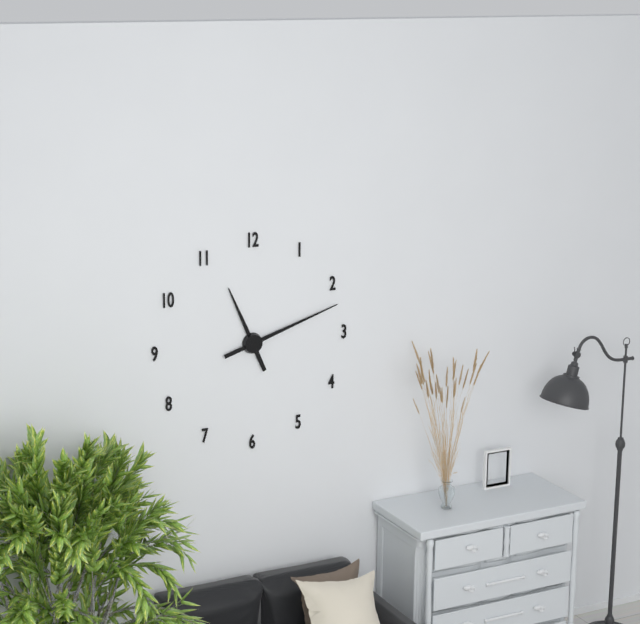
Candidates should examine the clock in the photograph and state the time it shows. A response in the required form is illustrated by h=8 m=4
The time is h=11 m=12
